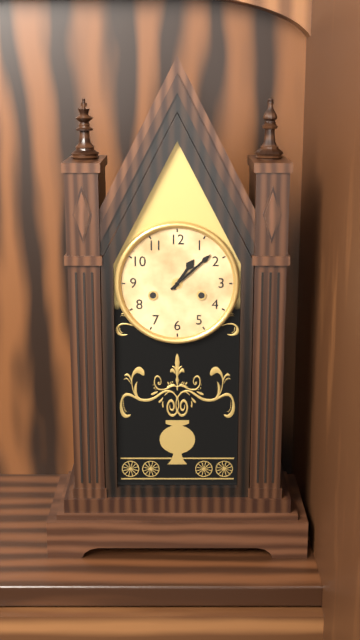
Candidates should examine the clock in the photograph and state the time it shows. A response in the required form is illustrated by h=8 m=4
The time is h=1 m=8
